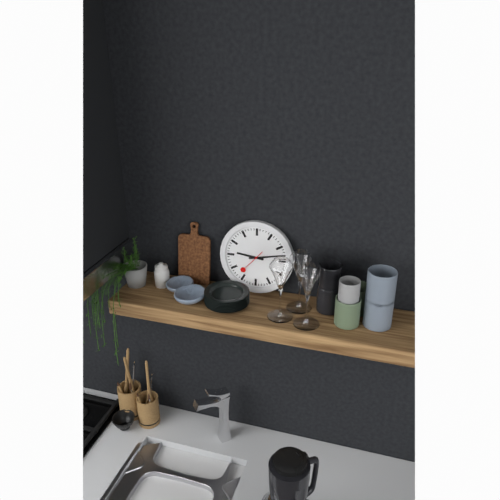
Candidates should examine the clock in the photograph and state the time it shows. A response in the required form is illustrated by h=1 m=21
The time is h=9 m=13
